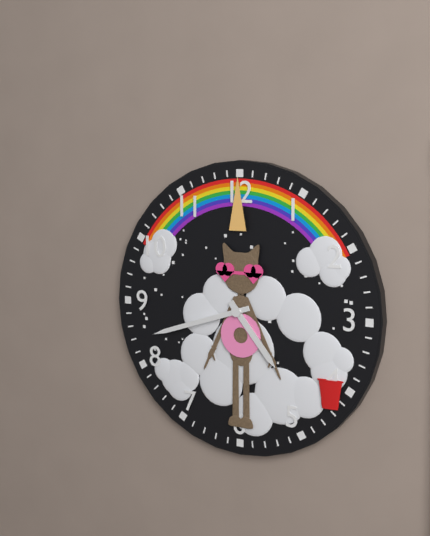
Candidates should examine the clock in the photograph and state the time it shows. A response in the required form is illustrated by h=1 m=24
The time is h=4 m=42
